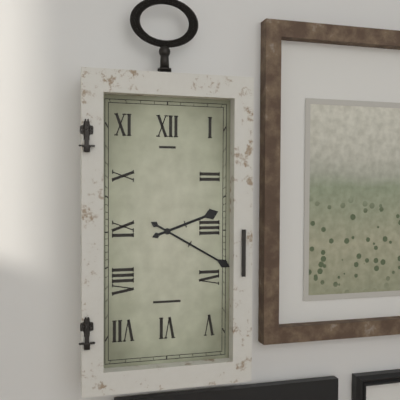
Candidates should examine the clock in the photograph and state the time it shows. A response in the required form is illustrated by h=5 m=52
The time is h=2 m=20
